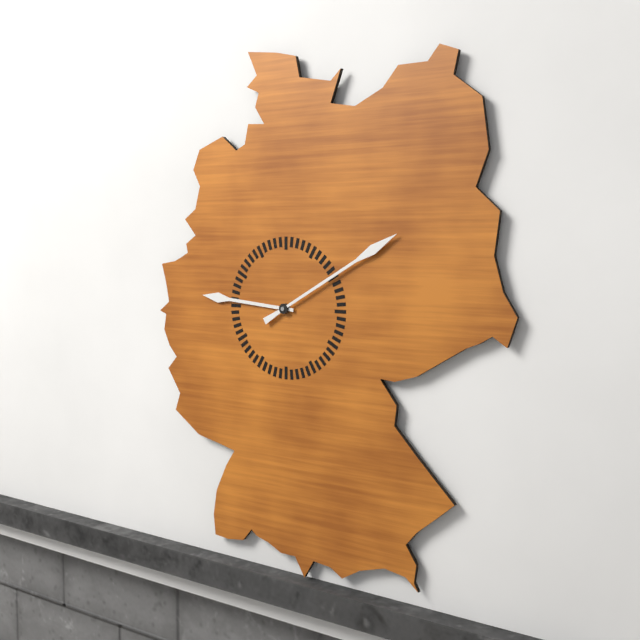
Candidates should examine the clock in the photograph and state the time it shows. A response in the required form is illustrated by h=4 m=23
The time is h=9 m=10
